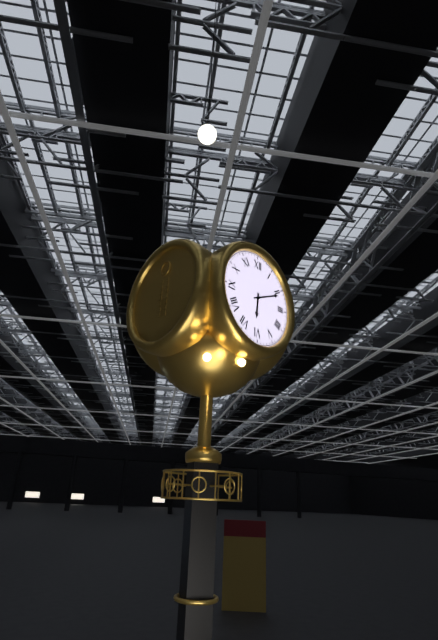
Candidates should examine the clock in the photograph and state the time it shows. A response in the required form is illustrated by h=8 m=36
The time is h=6 m=11
